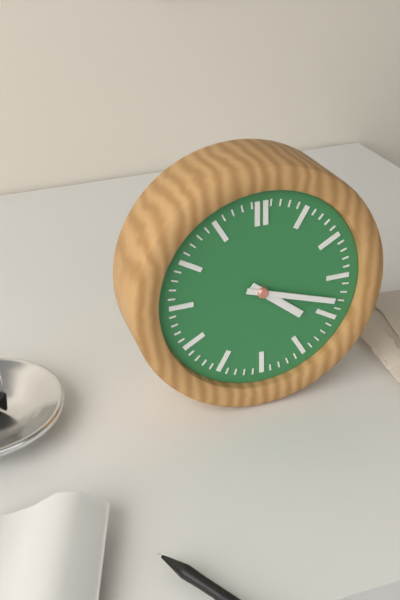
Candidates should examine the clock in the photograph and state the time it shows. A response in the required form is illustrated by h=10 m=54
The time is h=4 m=18
